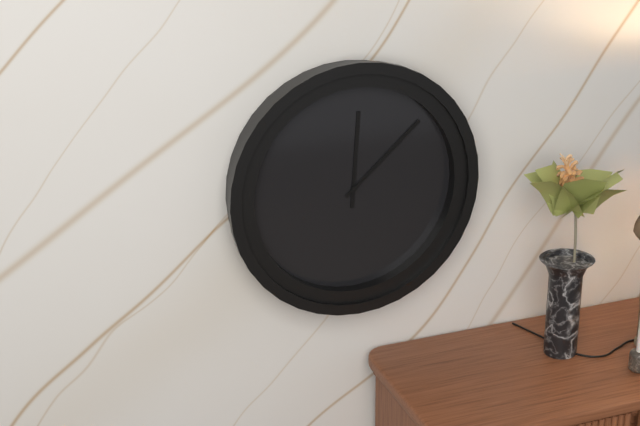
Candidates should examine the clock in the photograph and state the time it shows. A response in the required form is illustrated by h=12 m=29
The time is h=12 m=8
